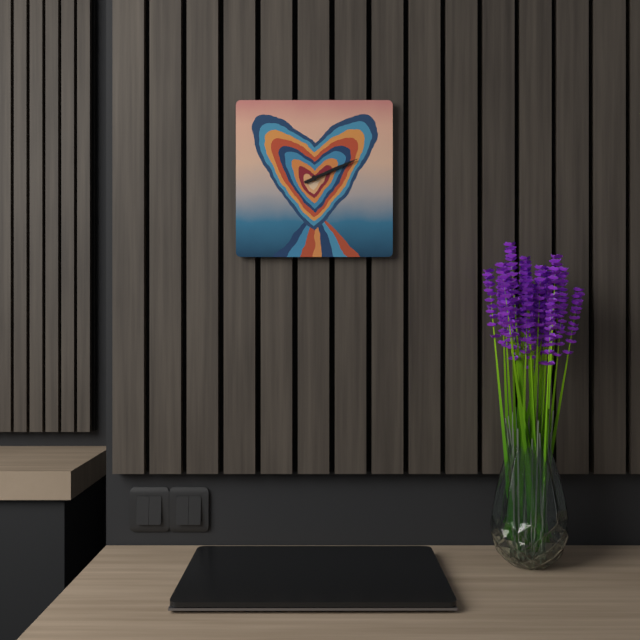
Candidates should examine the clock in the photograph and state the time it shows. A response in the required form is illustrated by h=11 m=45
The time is h=2 m=11
